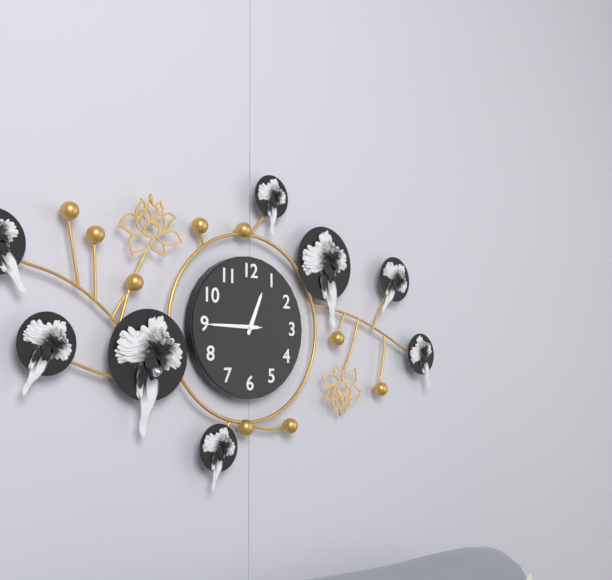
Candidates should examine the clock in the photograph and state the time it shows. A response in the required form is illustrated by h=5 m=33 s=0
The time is h=12 m=45 s=45
